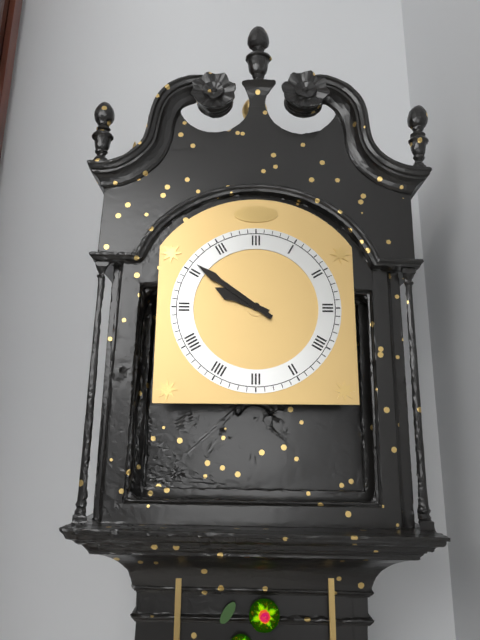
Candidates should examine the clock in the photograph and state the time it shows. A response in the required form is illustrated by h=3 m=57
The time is h=9 m=51
